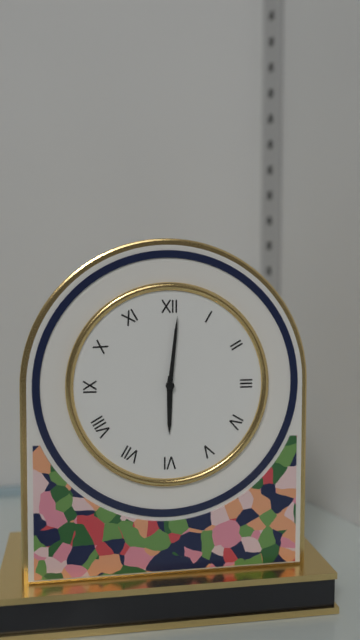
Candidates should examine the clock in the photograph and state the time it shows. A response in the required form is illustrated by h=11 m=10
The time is h=6 m=1
